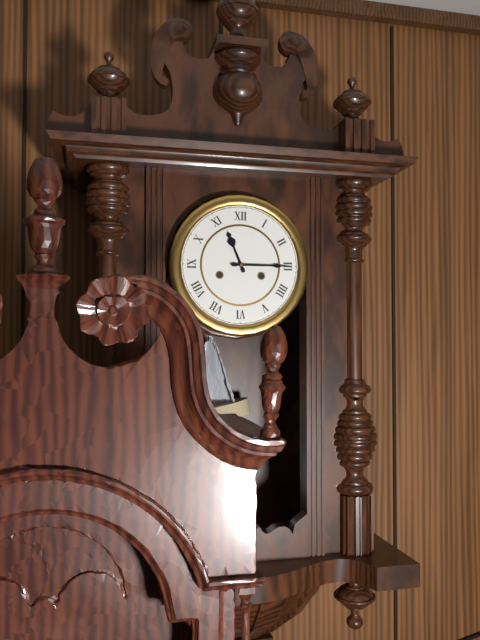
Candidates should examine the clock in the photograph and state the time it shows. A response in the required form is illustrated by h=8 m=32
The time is h=11 m=15
